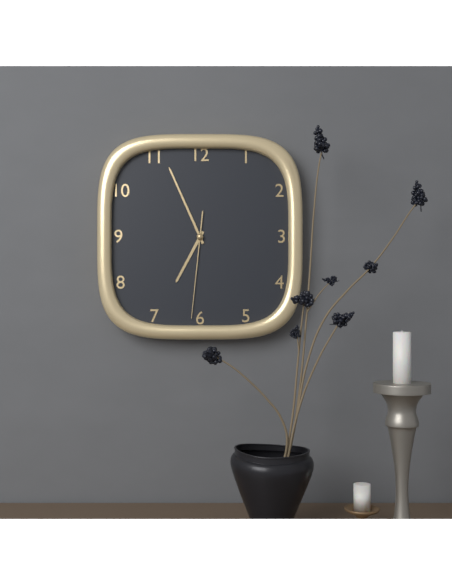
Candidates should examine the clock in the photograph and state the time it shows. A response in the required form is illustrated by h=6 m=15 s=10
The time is h=6 m=56 s=31
